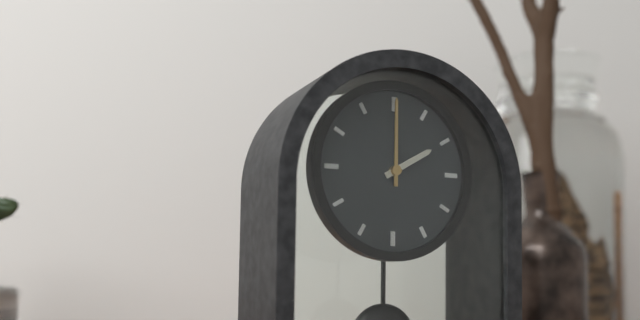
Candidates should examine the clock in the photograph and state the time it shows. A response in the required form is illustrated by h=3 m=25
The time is h=2 m=0
